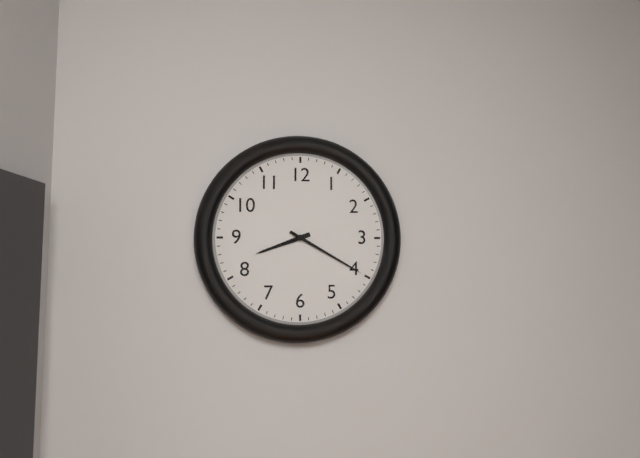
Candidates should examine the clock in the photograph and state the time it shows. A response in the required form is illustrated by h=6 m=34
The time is h=8 m=20
